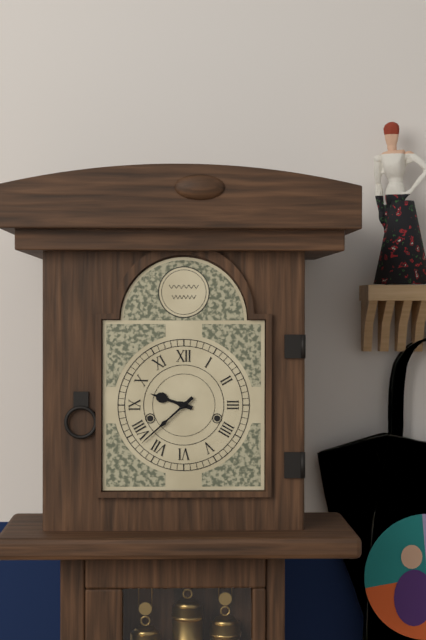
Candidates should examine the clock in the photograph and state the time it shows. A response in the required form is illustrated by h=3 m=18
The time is h=9 m=38
